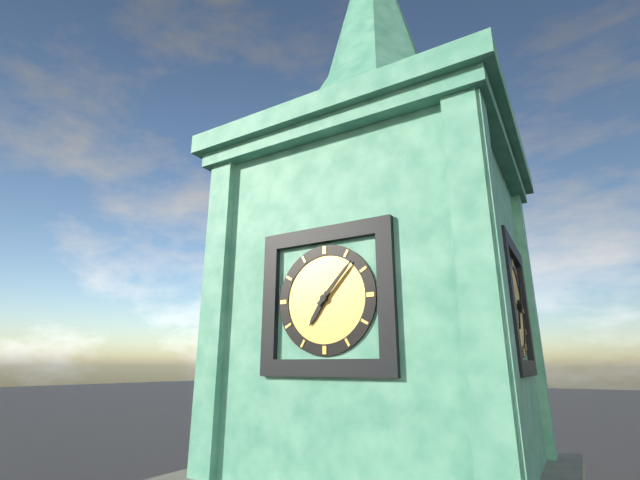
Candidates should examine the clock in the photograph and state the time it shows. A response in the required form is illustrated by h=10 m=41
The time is h=7 m=7
